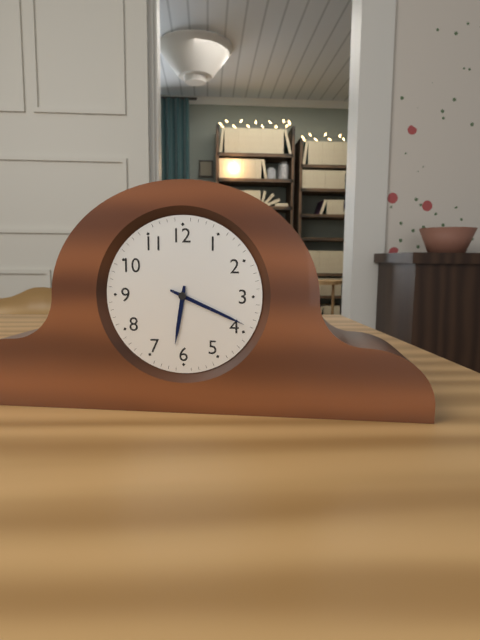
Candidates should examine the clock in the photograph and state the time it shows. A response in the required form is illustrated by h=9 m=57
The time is h=6 m=19
